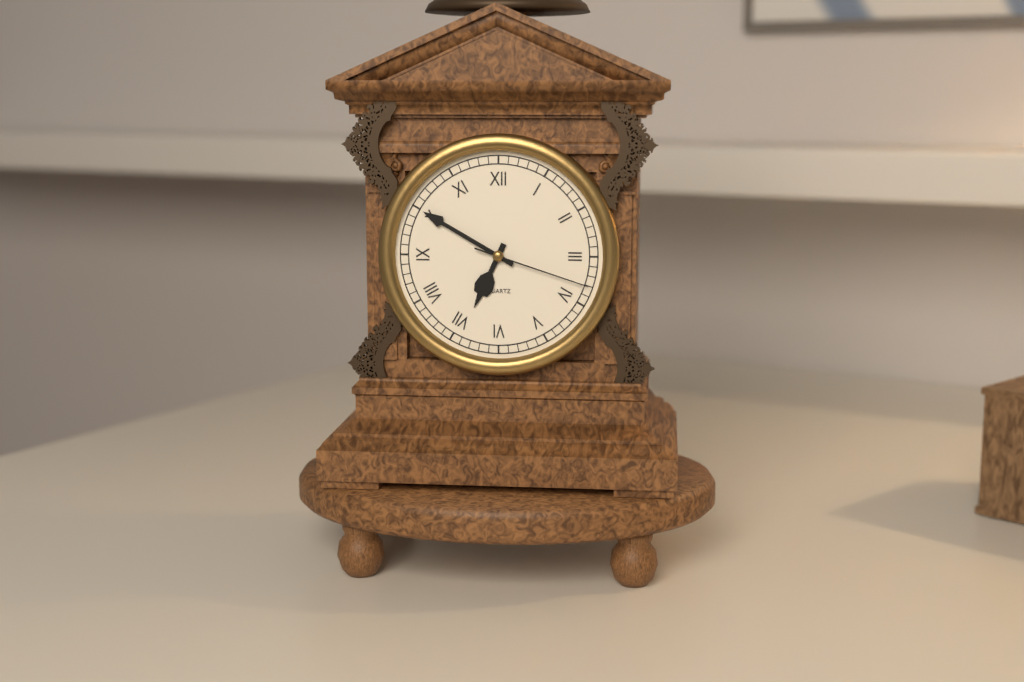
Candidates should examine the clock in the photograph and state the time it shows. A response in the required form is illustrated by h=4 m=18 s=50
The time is h=6 m=50 s=18
